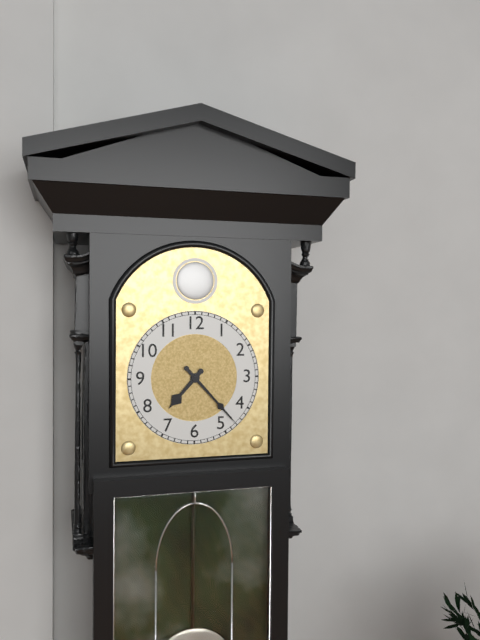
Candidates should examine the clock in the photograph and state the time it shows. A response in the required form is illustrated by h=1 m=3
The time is h=7 m=23
